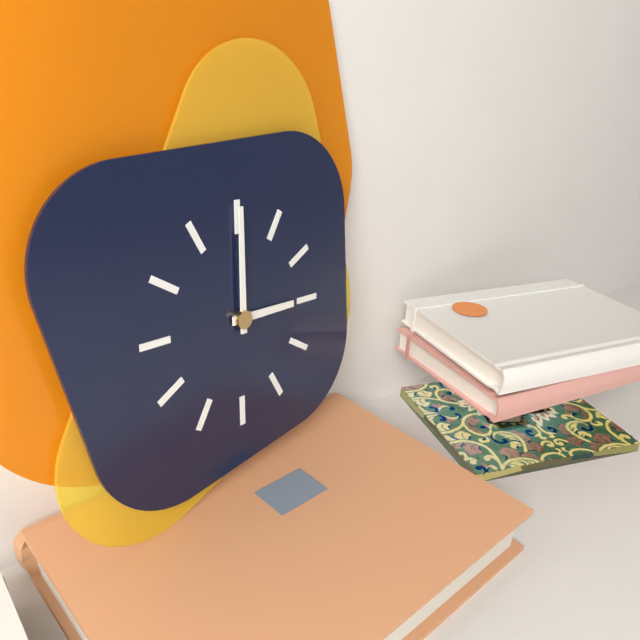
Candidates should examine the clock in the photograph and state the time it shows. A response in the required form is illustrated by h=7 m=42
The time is h=3 m=0
